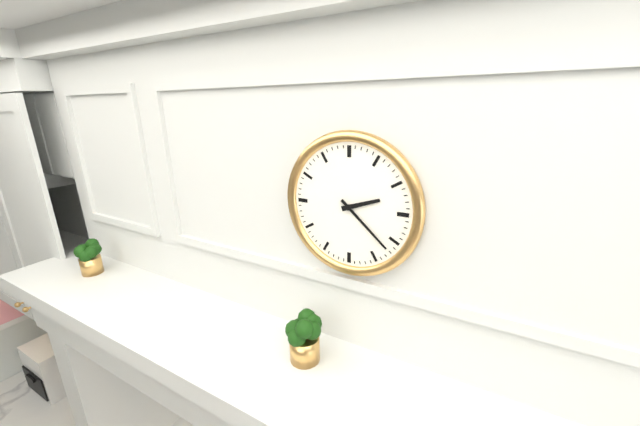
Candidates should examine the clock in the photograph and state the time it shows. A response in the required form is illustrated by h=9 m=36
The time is h=2 m=22
